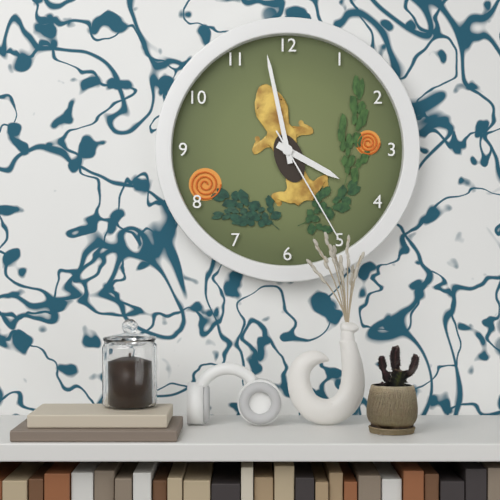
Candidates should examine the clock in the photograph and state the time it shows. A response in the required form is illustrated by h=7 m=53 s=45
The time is h=3 m=58 s=25
